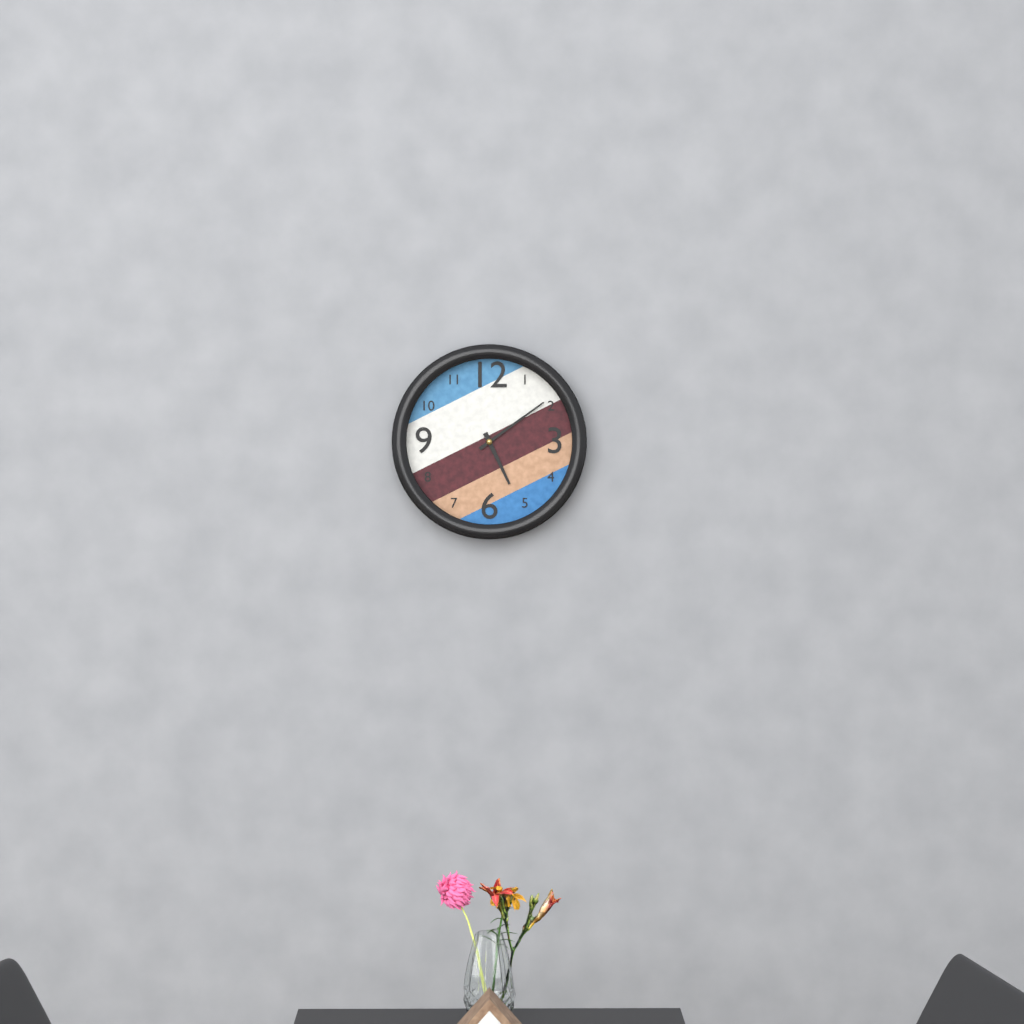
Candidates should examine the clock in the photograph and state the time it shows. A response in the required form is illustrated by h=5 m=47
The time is h=5 m=9
